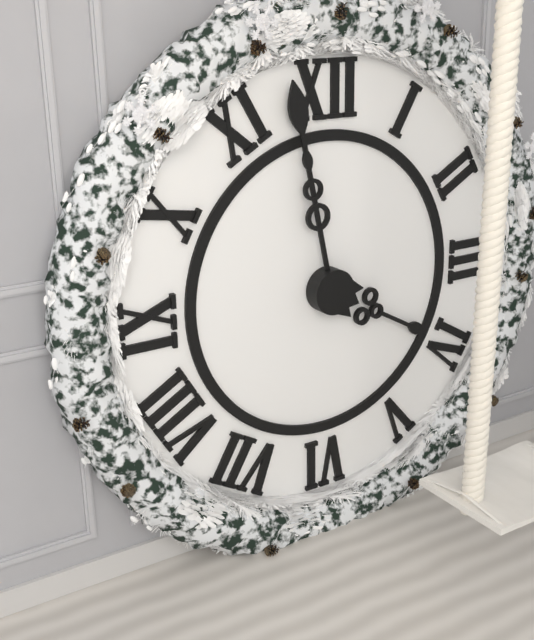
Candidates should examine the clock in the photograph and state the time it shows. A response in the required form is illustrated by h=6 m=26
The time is h=3 m=58
